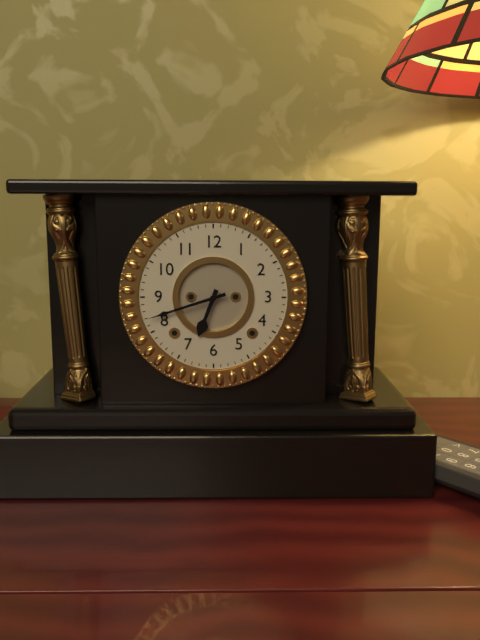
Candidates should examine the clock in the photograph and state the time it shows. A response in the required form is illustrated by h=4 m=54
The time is h=6 m=42
